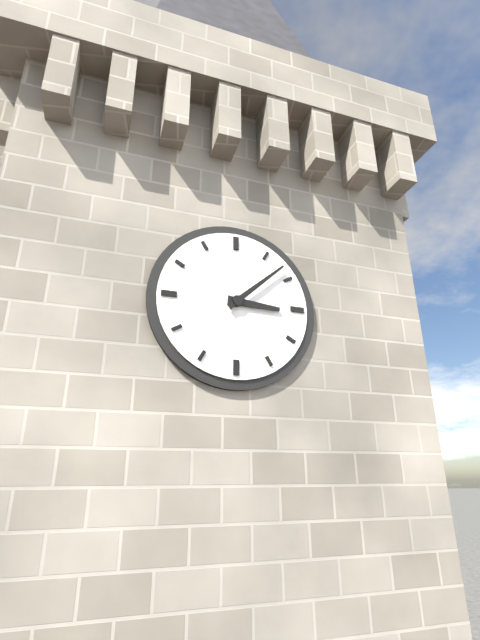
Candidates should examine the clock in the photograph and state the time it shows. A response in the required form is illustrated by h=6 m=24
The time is h=3 m=8
